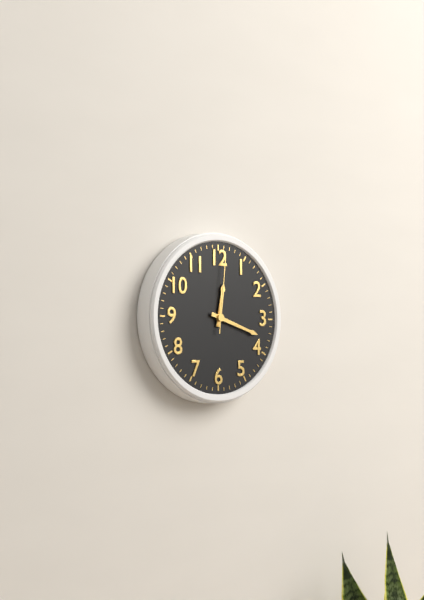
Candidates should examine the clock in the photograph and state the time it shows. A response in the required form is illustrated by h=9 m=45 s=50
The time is h=12 m=18 s=1
